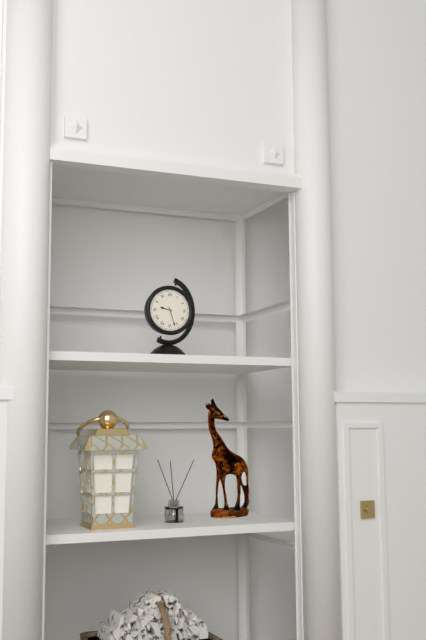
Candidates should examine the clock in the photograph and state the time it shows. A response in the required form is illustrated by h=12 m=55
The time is h=9 m=27
